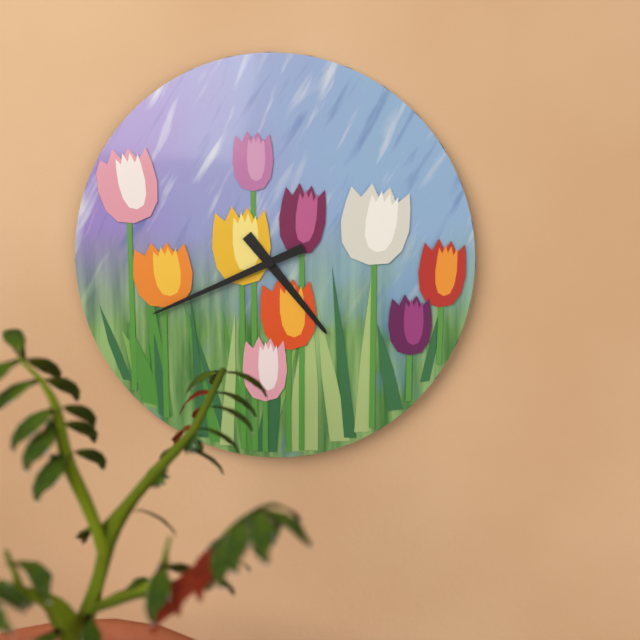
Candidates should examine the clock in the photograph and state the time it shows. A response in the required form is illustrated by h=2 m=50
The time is h=4 m=41
